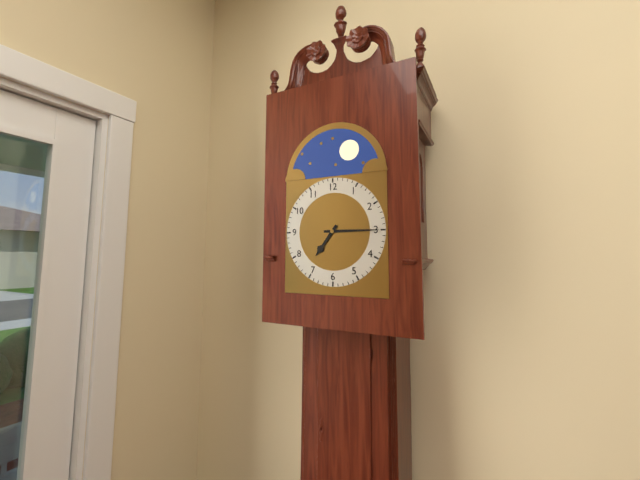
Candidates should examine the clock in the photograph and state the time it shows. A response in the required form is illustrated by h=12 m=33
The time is h=7 m=15
